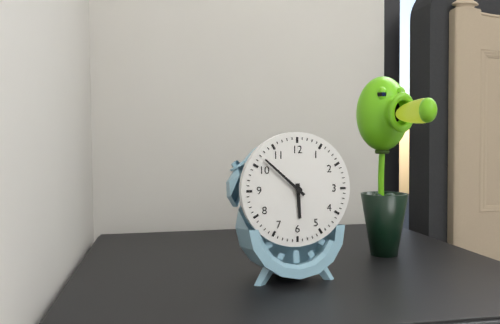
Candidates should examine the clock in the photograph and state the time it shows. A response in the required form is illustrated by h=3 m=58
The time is h=5 m=52
